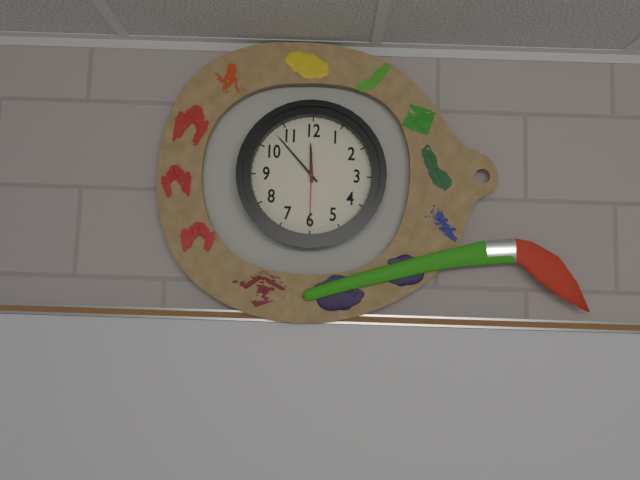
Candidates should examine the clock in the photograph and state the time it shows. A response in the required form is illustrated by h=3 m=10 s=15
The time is h=11 m=53 s=30
